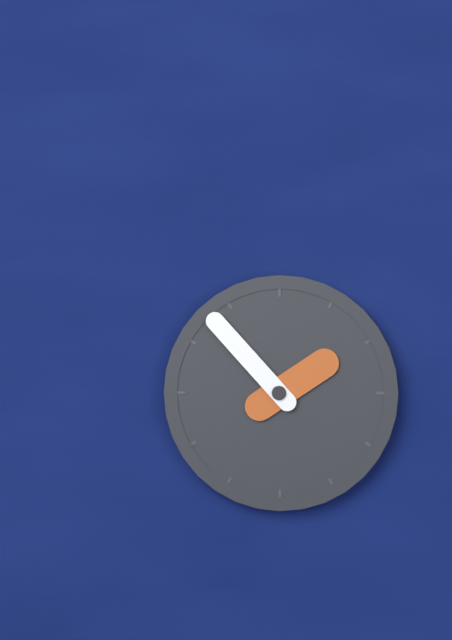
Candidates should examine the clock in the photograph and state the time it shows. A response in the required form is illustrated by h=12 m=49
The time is h=1 m=53
